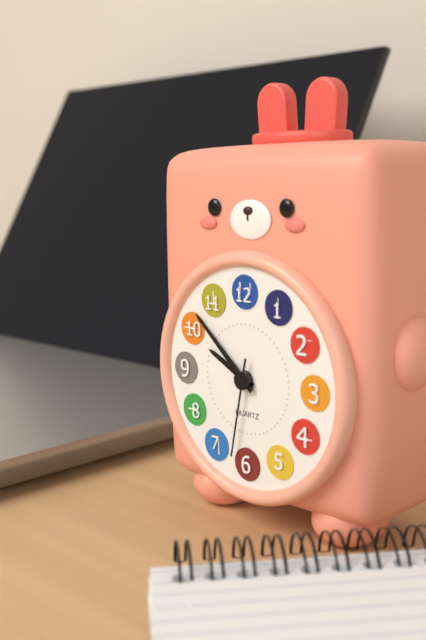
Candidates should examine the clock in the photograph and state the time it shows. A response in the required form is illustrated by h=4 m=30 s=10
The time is h=9 m=52 s=32
